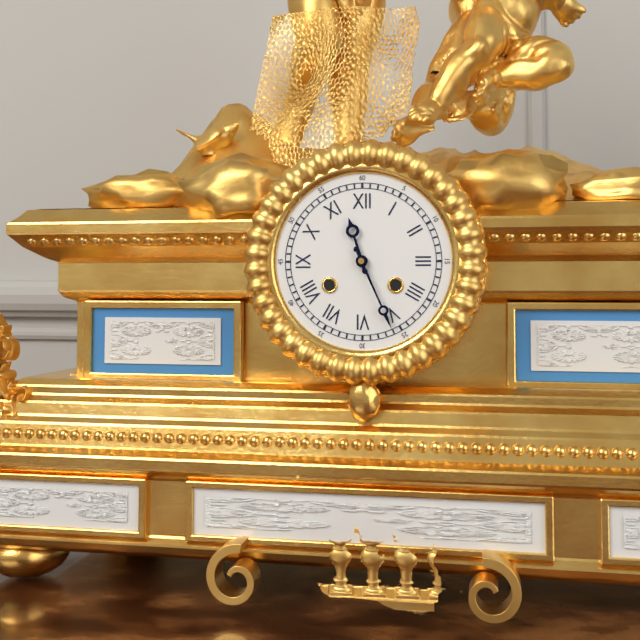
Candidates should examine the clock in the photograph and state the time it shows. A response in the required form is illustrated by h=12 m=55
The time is h=11 m=26
